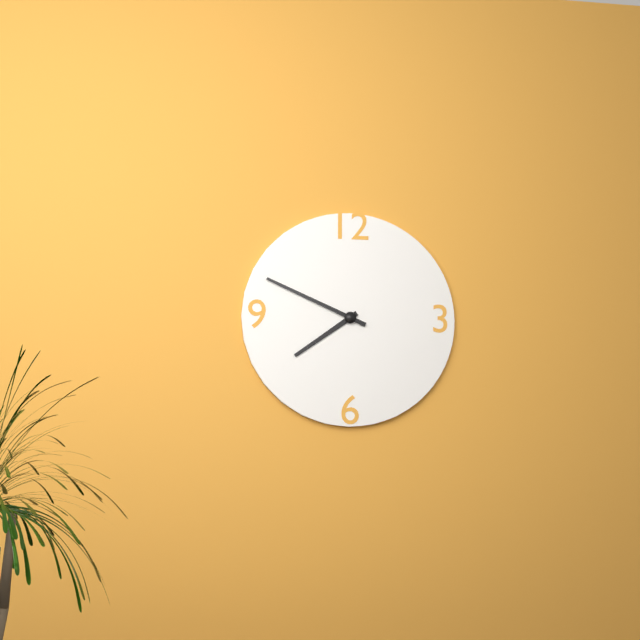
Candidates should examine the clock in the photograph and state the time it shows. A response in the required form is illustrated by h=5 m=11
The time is h=7 m=49
